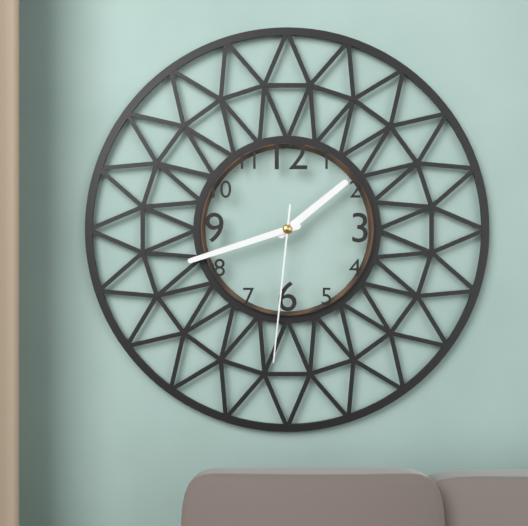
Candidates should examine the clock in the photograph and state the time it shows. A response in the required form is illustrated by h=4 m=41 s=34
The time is h=1 m=42 s=31
